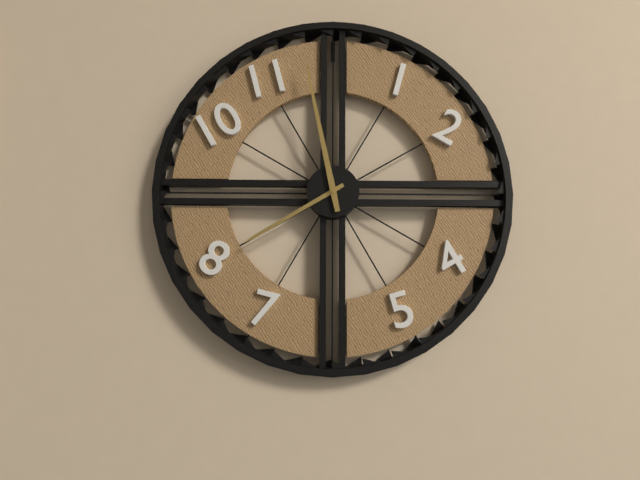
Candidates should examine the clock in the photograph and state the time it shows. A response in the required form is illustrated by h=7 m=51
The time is h=7 m=58
